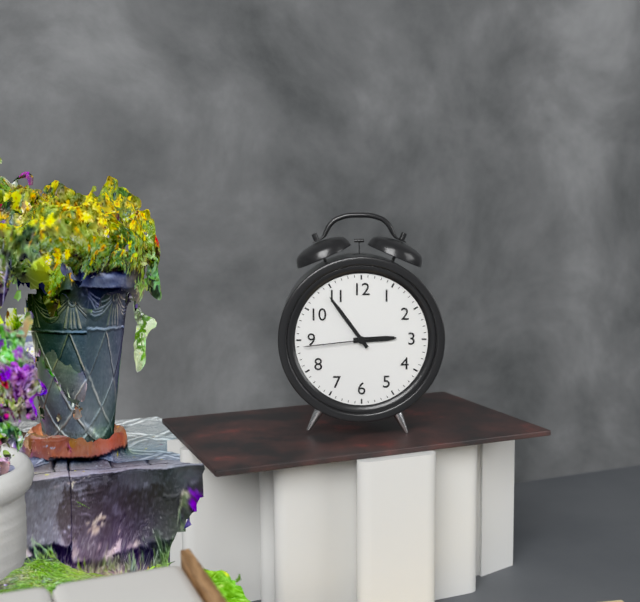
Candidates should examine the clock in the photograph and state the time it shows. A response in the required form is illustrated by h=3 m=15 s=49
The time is h=2 m=54 s=44
